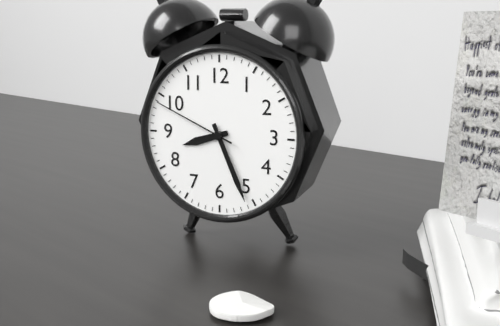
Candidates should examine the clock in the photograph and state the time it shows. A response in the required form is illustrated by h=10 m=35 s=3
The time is h=8 m=26 s=49
